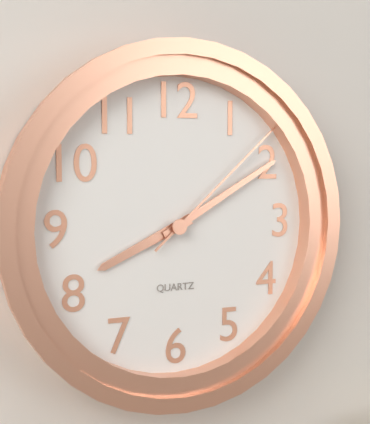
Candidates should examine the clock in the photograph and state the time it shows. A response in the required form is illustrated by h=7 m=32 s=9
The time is h=8 m=10 s=8
